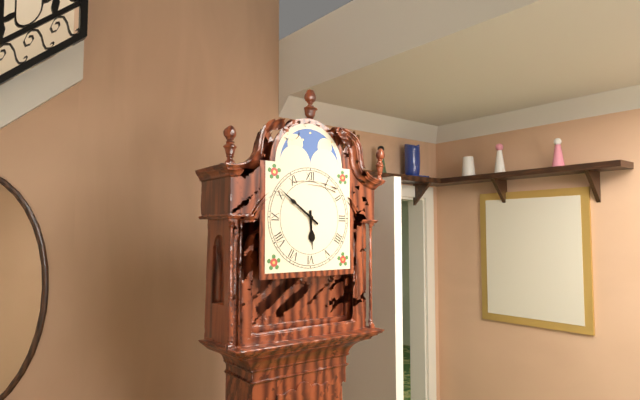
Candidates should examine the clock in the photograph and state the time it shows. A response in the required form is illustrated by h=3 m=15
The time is h=5 m=51
